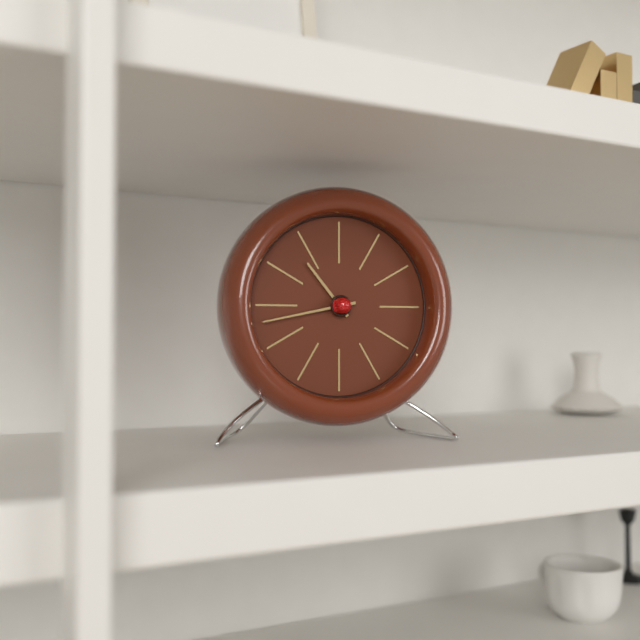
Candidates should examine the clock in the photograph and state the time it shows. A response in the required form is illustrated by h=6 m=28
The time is h=10 m=43
